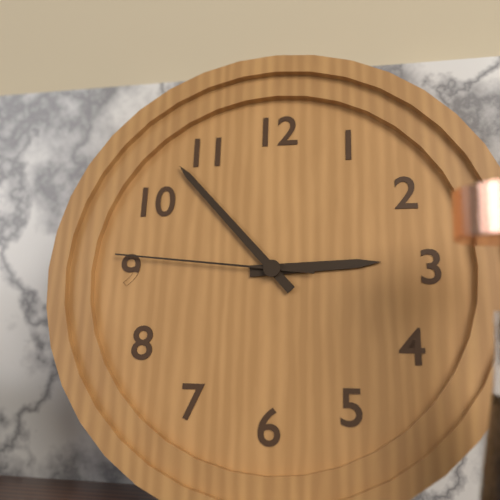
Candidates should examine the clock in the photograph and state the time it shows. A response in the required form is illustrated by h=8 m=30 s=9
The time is h=2 m=53 s=46
